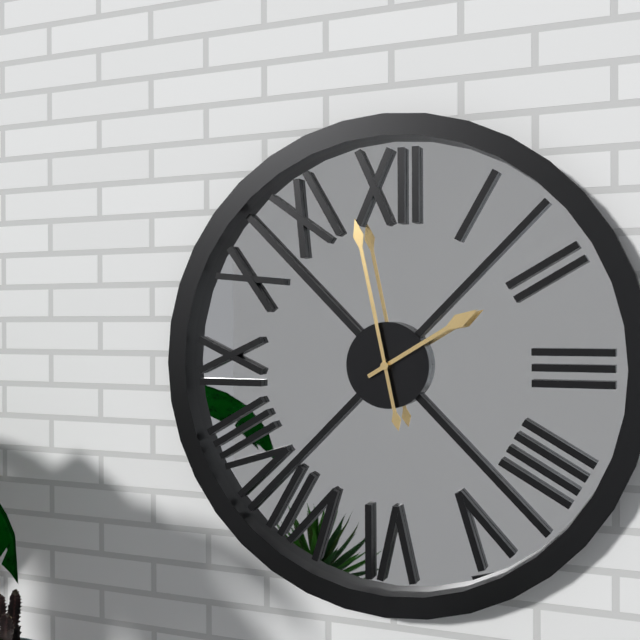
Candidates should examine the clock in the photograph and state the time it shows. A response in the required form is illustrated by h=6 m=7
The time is h=1 m=58
